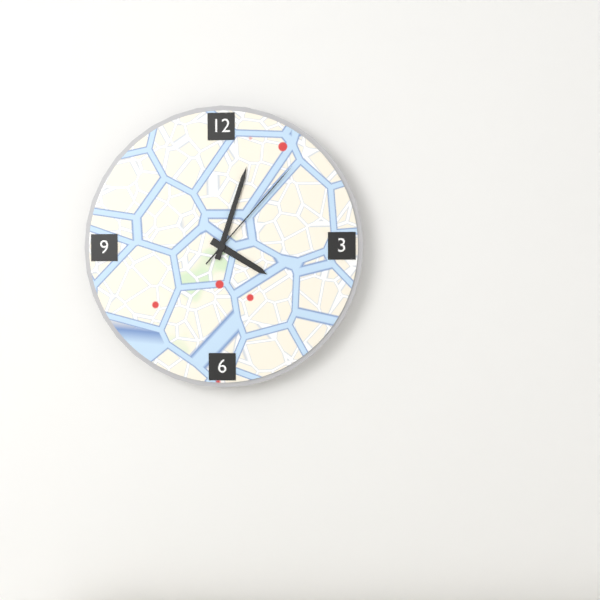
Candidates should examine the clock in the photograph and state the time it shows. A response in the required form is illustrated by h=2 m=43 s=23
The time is h=4 m=3 s=7
